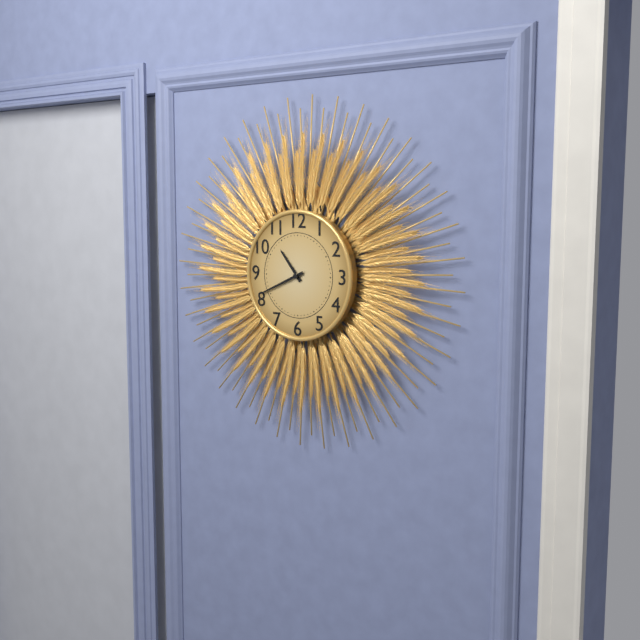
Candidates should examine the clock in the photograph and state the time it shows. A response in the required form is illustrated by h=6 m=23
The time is h=10 m=41
